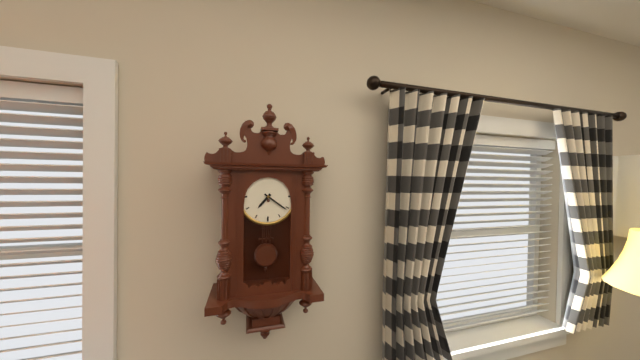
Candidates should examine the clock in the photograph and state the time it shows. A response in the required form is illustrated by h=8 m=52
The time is h=7 m=21
